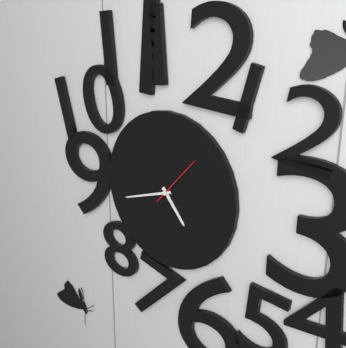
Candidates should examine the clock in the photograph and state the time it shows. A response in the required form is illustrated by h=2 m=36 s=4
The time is h=4 m=42 s=7
